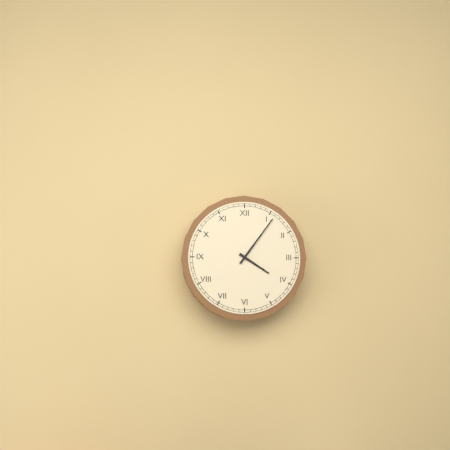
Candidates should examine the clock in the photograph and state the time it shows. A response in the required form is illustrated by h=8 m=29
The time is h=4 m=6
